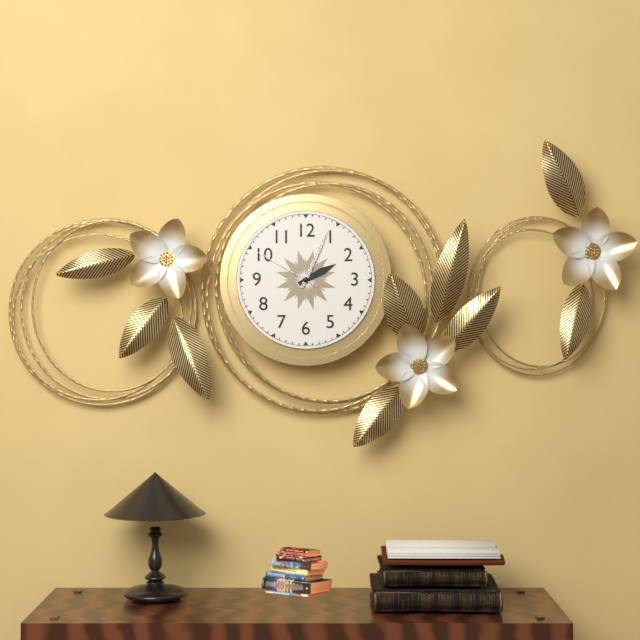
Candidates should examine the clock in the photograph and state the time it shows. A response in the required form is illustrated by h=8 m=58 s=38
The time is h=2 m=4 s=50
